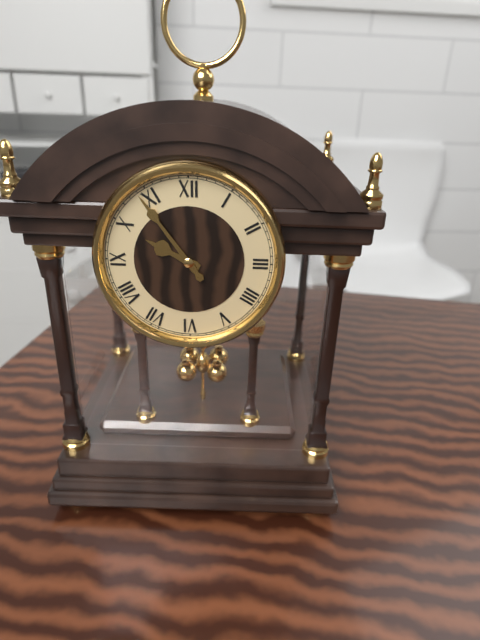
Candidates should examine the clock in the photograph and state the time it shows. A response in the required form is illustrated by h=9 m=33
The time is h=9 m=54
